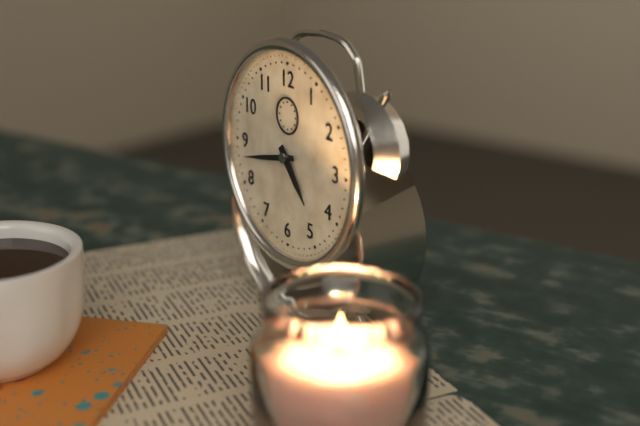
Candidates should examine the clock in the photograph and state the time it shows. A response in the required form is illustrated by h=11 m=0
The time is h=4 m=43
